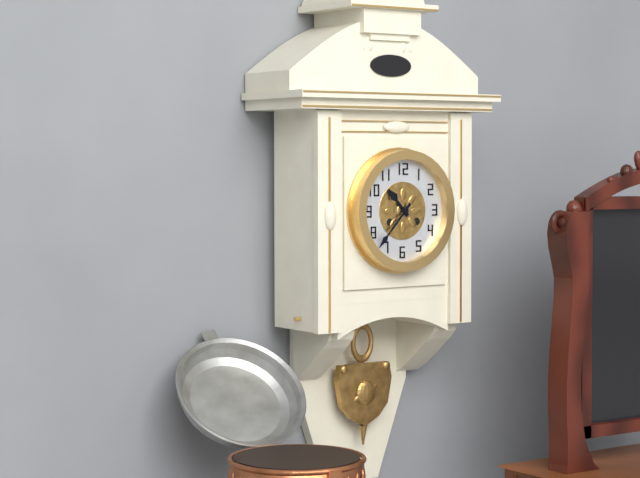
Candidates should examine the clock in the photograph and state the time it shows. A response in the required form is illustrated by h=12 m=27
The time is h=10 m=37
